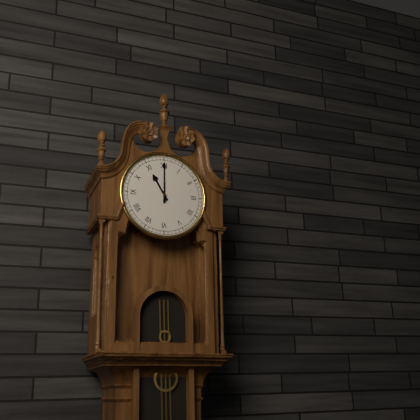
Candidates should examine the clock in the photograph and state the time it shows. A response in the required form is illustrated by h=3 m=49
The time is h=11 m=0
